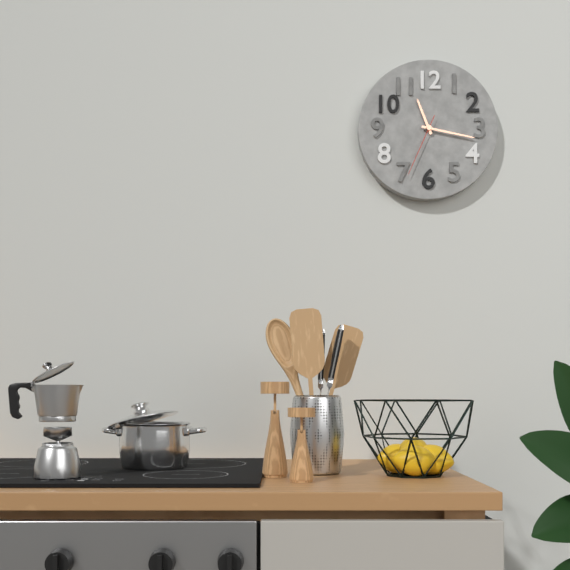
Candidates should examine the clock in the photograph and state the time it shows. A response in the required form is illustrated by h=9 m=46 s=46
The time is h=11 m=17 s=34
